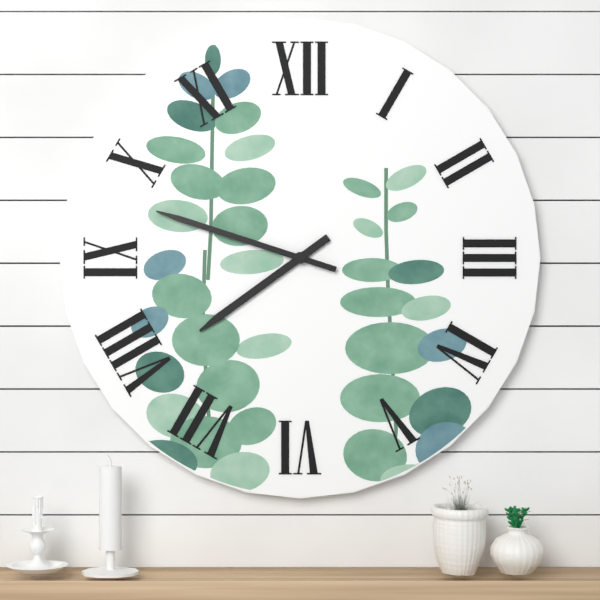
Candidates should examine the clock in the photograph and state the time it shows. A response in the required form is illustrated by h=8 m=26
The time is h=7 m=48
